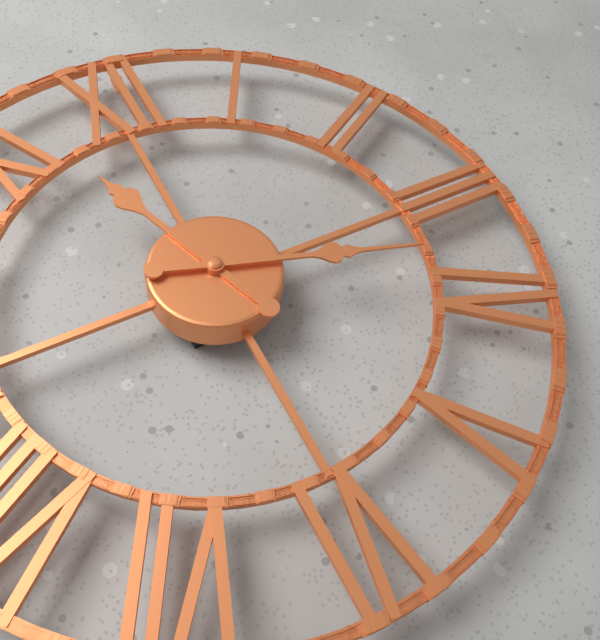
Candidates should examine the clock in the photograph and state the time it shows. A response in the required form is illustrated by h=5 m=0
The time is h=11 m=18
